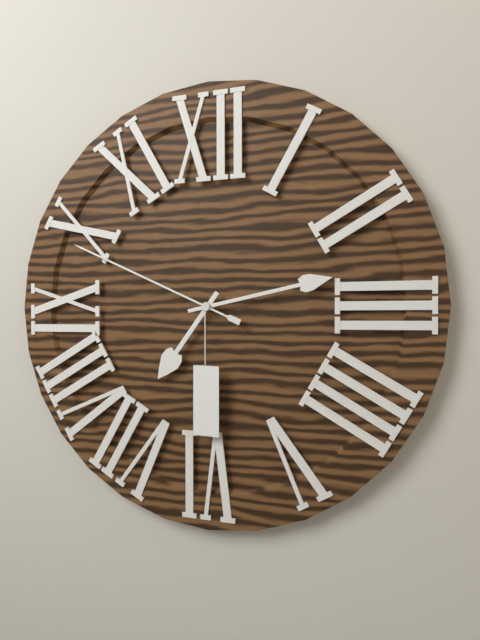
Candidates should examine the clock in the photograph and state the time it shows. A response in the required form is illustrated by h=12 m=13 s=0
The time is h=7 m=13 s=49
